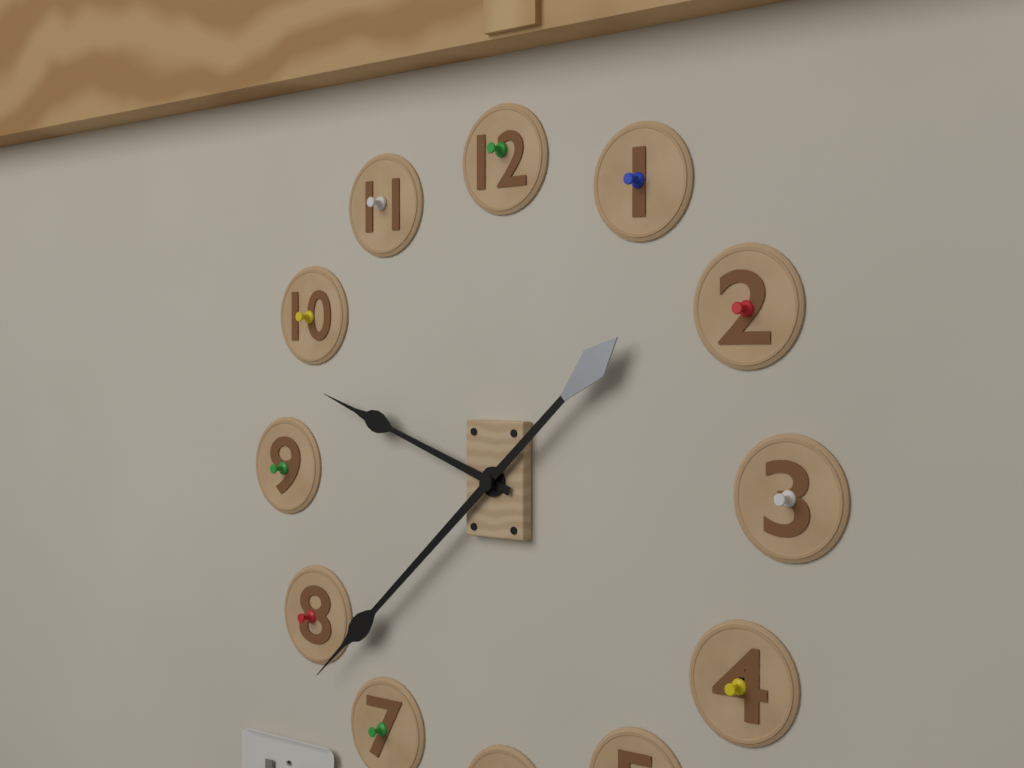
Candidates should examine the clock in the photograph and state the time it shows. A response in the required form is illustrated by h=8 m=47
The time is h=9 m=38
